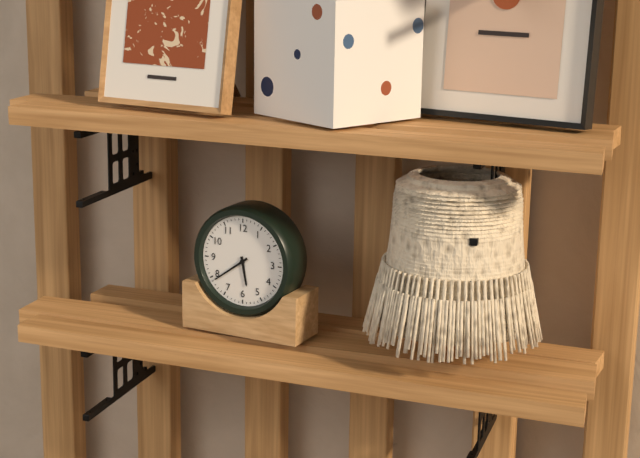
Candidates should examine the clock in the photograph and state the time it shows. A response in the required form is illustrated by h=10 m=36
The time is h=5 m=39
